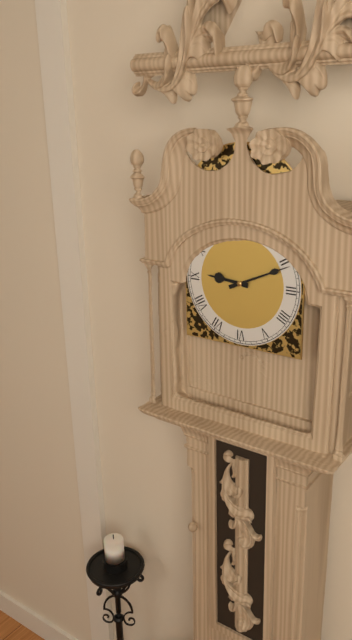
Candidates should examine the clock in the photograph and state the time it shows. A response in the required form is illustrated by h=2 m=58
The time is h=9 m=11
